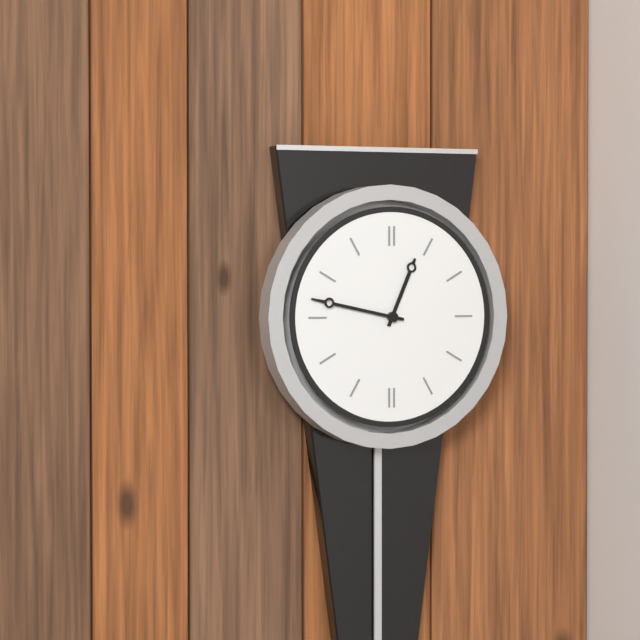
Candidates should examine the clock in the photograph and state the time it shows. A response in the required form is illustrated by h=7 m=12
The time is h=12 m=47
